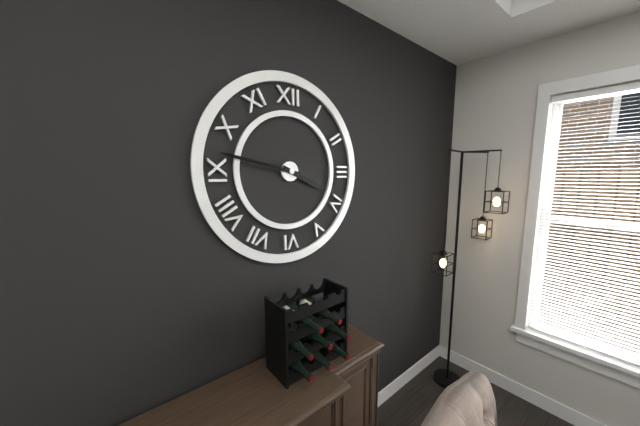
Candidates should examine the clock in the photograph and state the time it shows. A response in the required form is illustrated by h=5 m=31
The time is h=3 m=47
